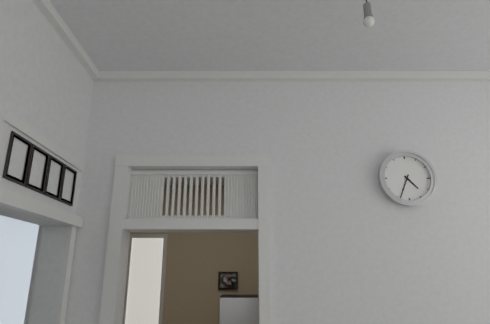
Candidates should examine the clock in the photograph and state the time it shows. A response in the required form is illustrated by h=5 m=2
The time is h=4 m=34
